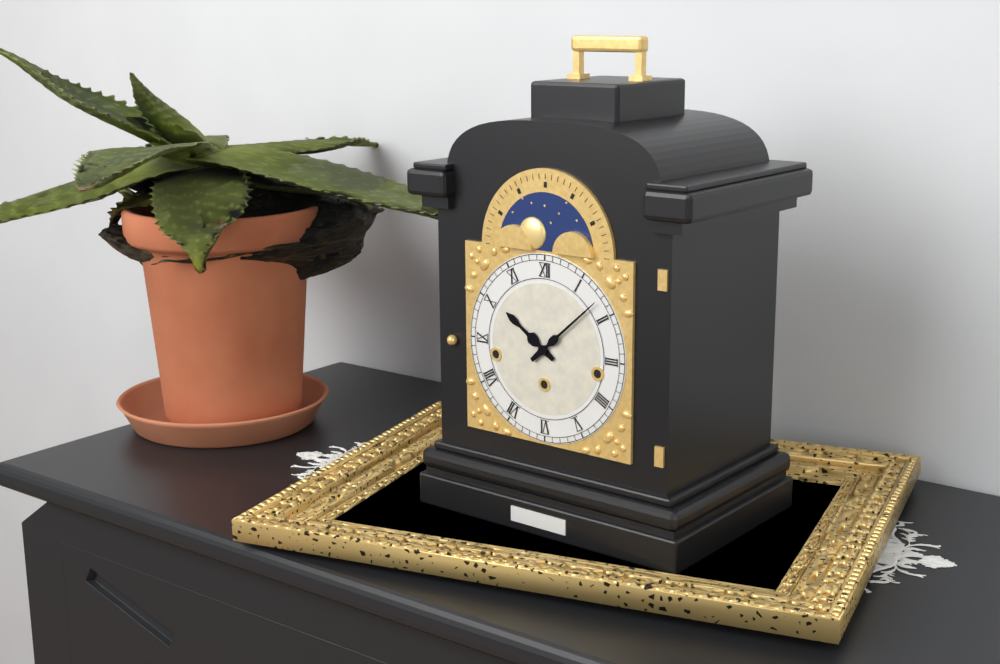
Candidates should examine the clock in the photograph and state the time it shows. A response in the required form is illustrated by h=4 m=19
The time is h=10 m=8
